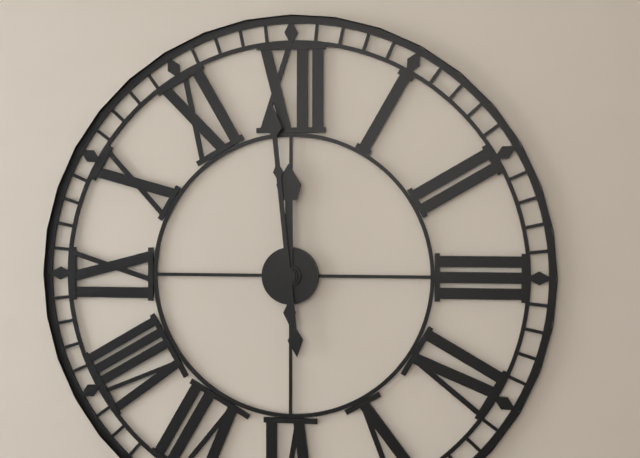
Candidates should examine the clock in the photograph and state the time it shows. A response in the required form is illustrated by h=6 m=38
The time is h=11 m=59
